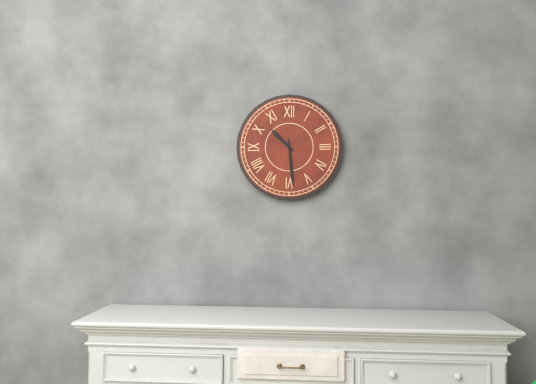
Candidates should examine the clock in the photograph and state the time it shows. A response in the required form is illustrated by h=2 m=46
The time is h=10 m=29
